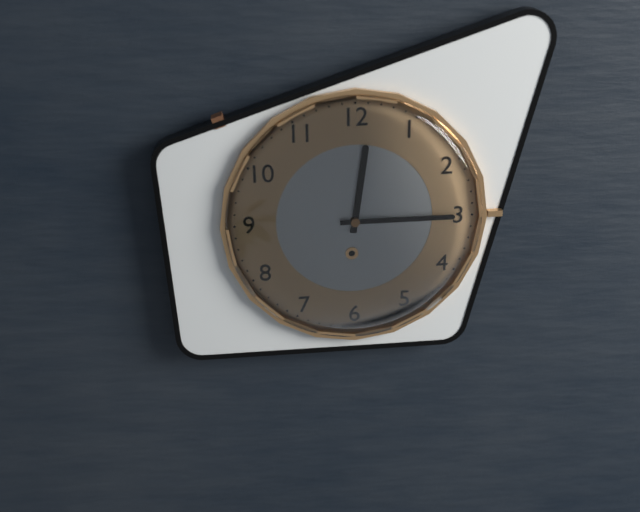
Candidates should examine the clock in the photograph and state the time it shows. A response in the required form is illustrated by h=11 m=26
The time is h=12 m=15
